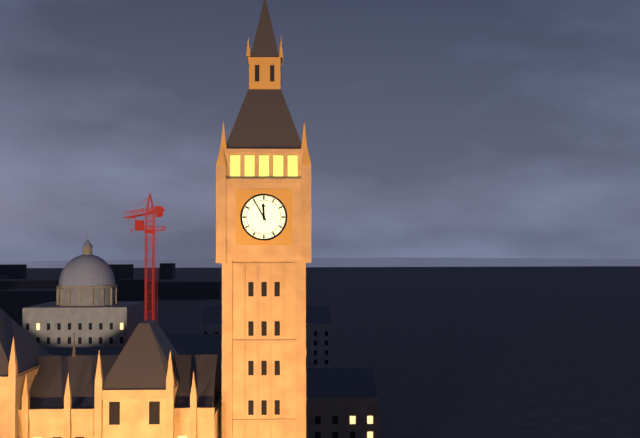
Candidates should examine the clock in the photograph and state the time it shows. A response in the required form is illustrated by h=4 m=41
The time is h=11 m=55
